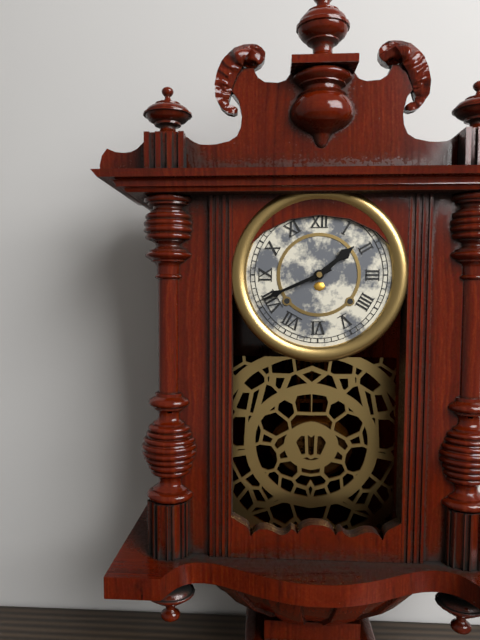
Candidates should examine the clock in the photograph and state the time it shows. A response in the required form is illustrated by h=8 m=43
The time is h=1 m=41
